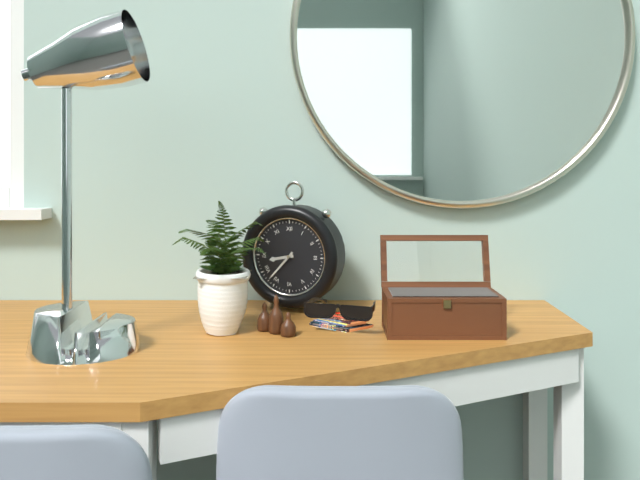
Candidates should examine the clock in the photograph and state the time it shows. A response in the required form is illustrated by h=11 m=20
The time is h=8 m=37
